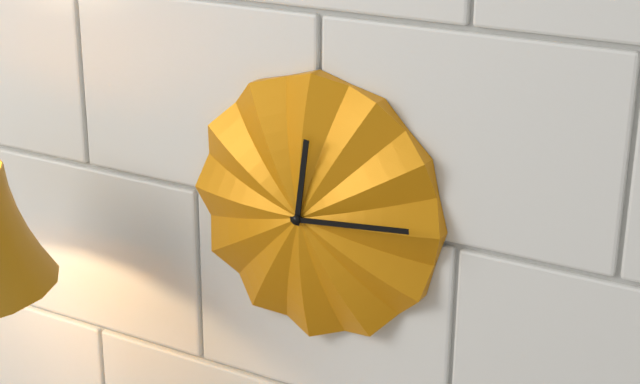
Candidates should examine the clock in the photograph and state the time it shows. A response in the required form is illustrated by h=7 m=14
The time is h=12 m=14
